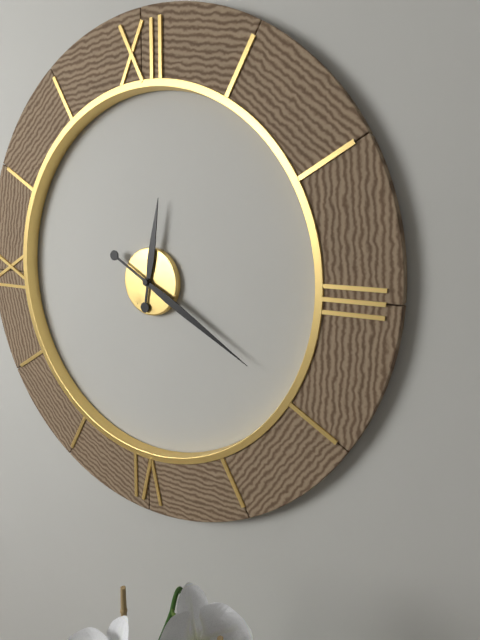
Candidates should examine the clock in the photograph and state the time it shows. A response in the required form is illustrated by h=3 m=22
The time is h=12 m=20
